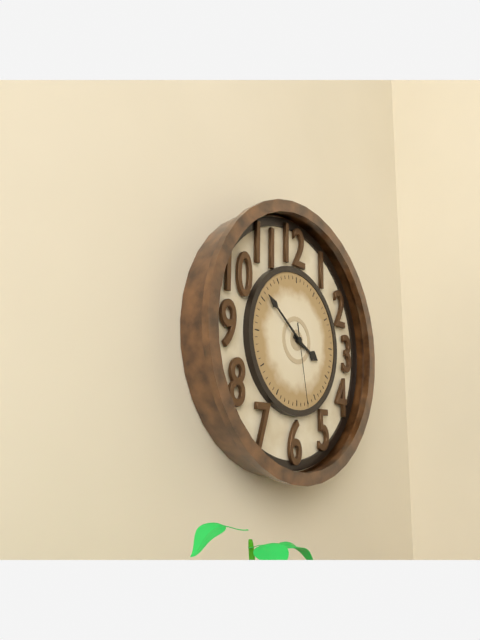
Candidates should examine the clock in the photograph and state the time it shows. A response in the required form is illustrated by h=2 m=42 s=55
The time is h=3 m=51 s=28
